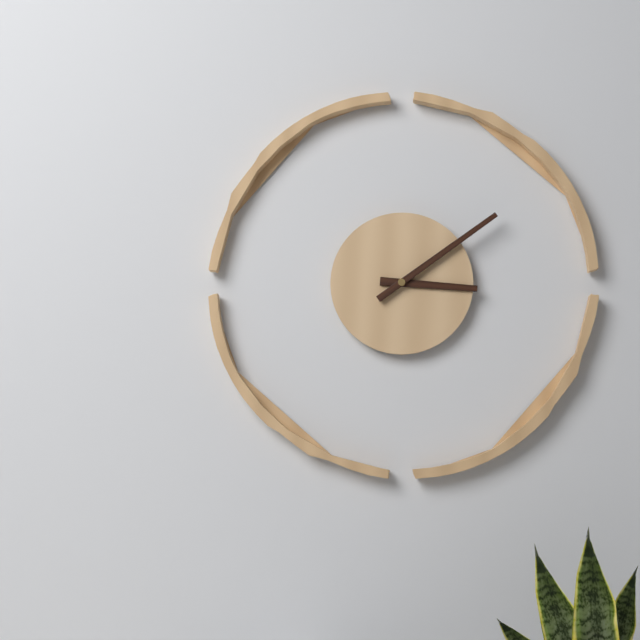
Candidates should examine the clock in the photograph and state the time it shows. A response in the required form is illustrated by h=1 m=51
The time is h=3 m=9
